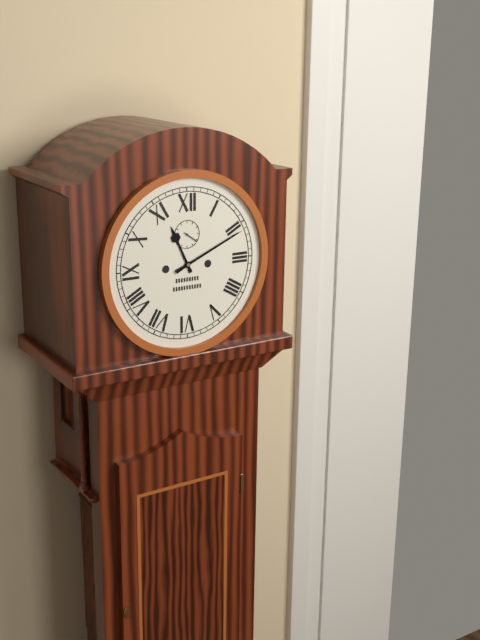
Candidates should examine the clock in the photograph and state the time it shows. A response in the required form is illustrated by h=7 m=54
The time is h=11 m=11
